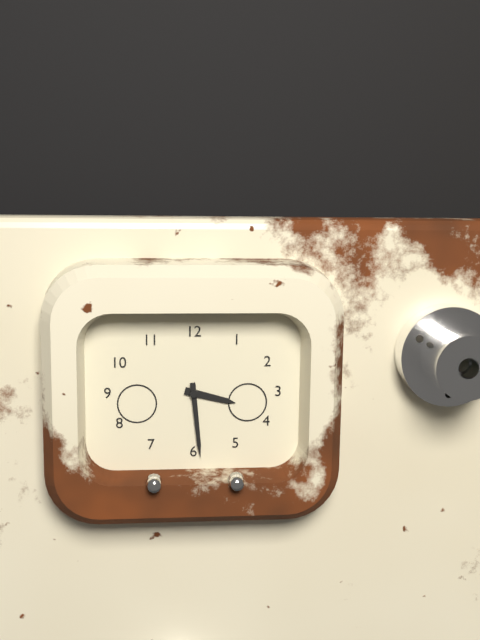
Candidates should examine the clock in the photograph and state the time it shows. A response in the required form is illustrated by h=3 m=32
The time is h=3 m=29
